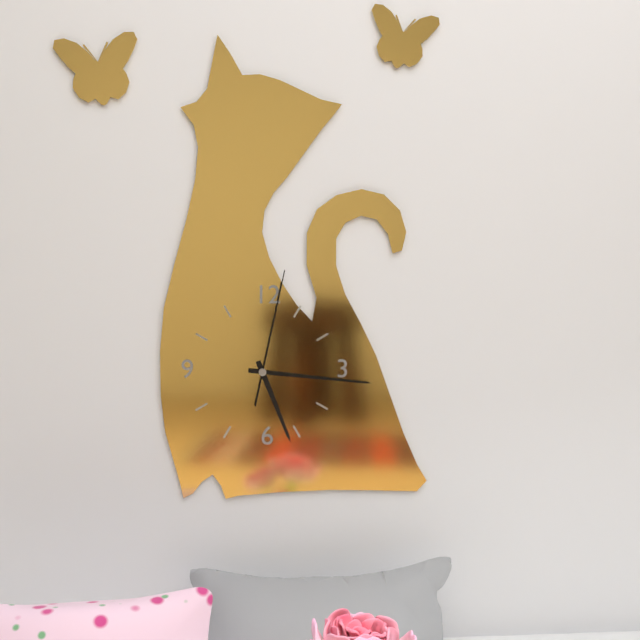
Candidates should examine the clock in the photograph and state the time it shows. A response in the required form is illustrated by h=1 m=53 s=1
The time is h=5 m=16 s=2
